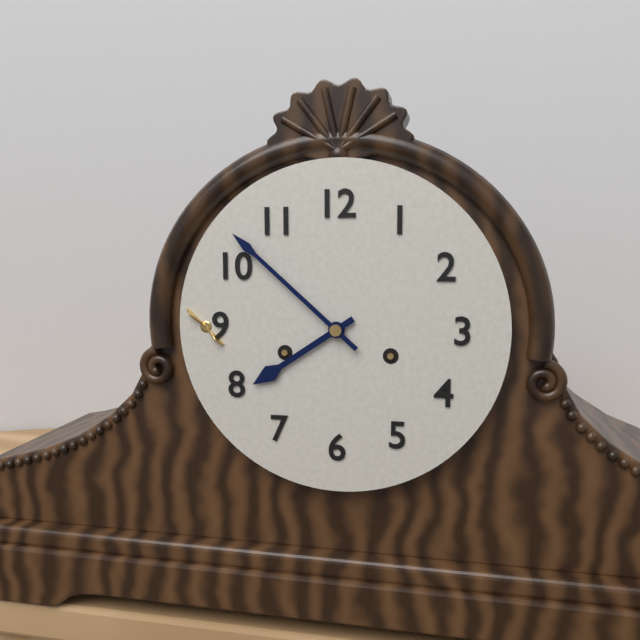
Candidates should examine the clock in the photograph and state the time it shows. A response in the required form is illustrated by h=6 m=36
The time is h=7 m=52
